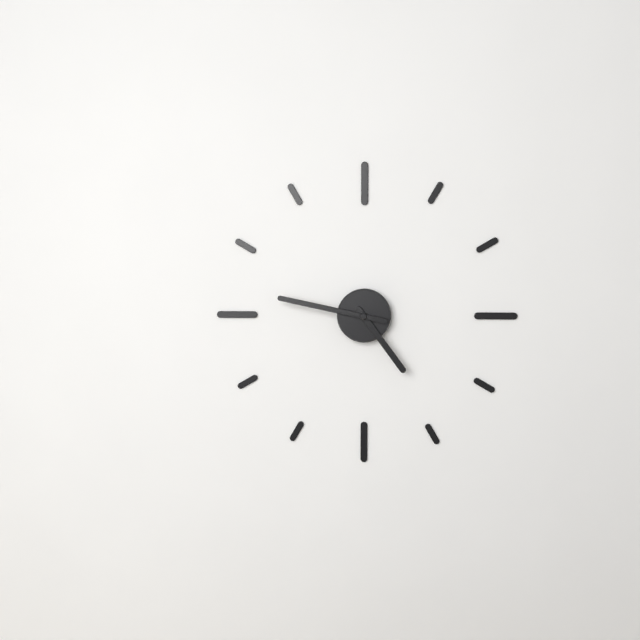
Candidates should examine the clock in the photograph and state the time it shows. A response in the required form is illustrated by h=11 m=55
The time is h=4 m=47
